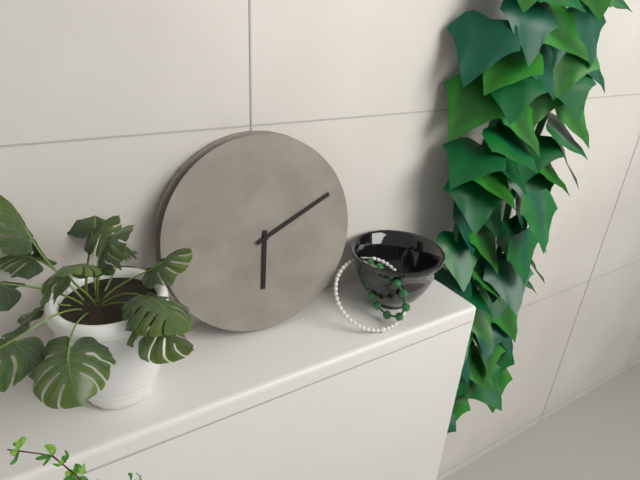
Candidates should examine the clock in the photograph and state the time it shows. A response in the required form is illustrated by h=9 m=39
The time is h=6 m=11
